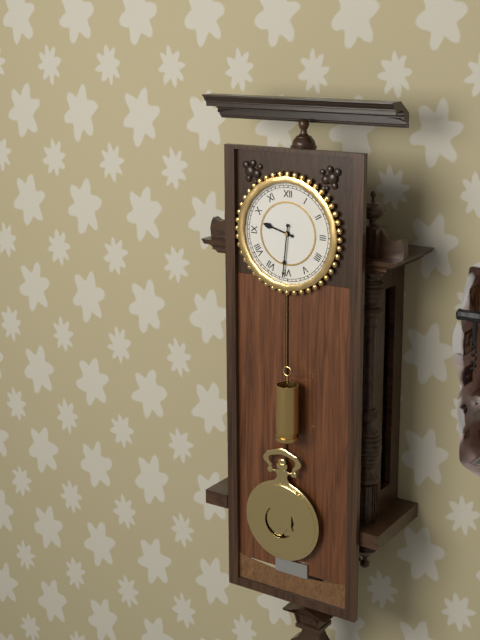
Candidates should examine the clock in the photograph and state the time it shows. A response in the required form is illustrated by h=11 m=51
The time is h=9 m=31
